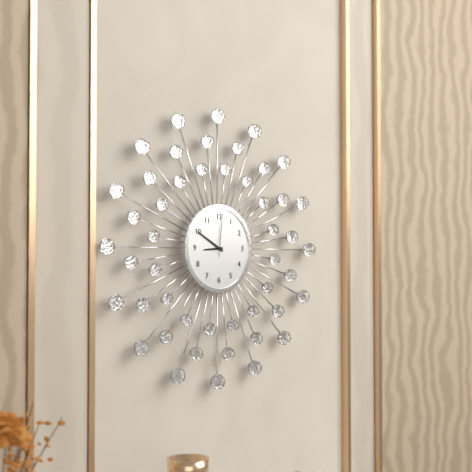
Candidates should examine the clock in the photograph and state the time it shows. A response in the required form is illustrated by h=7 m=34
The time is h=8 m=50
